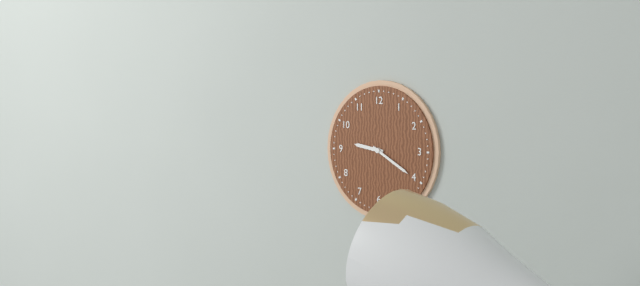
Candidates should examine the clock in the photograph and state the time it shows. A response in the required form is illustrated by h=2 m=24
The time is h=9 m=20
